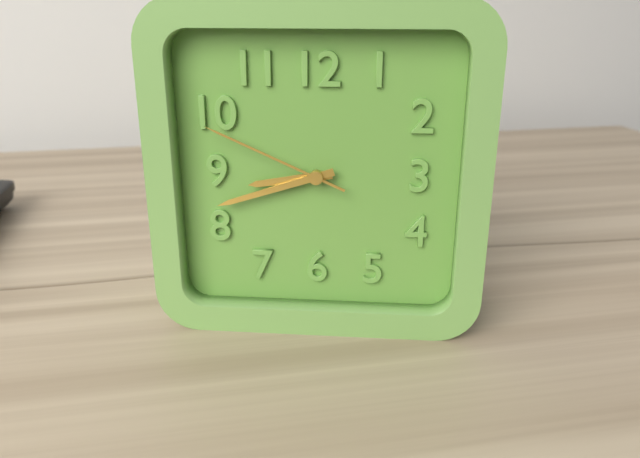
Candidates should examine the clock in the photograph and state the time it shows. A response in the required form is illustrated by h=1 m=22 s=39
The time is h=8 m=42 s=49
